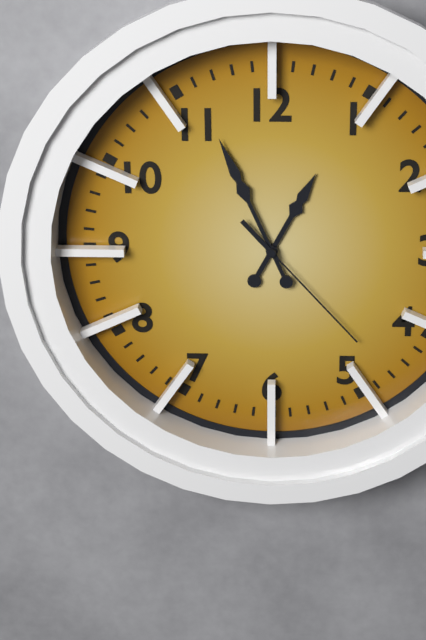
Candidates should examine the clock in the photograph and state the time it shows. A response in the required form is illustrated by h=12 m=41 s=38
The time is h=12 m=56 s=23
